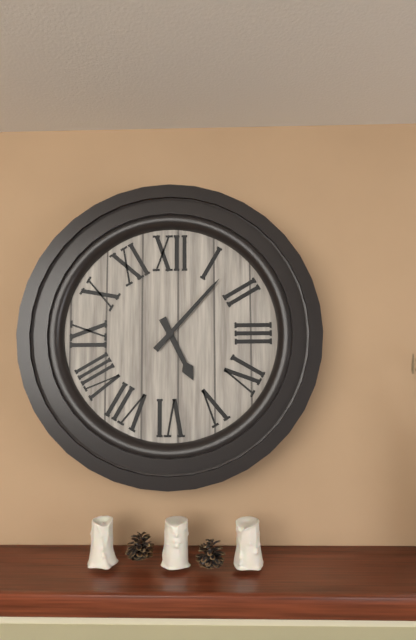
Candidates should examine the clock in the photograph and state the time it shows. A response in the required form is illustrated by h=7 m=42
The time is h=5 m=7
